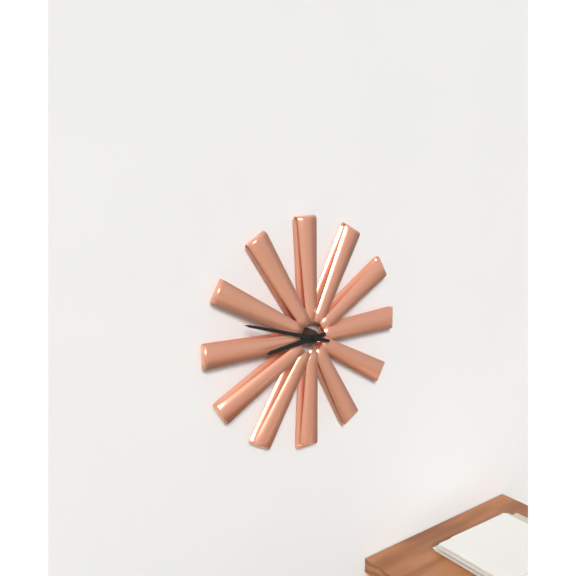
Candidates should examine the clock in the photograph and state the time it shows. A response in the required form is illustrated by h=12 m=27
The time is h=8 m=48
